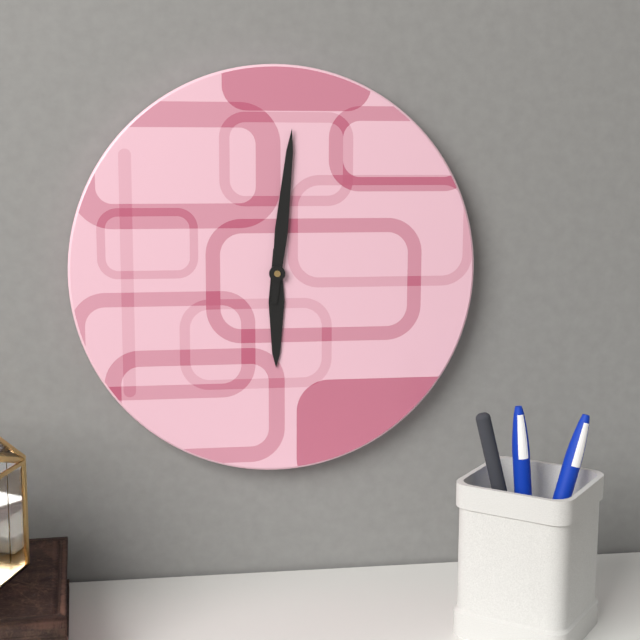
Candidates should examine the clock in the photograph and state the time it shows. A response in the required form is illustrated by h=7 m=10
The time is h=6 m=1
